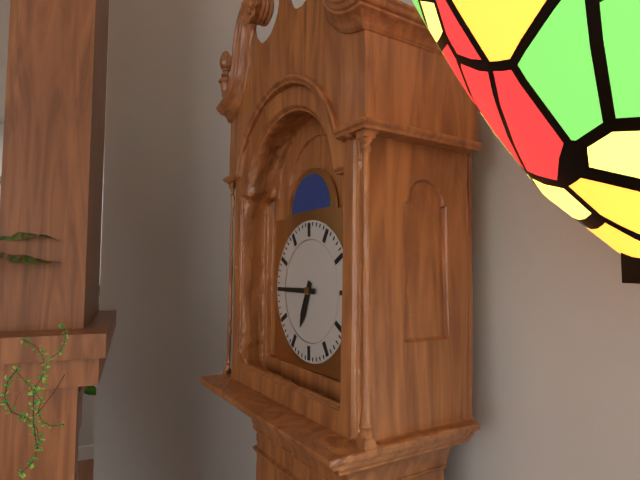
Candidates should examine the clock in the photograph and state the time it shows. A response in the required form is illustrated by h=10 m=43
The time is h=6 m=45
